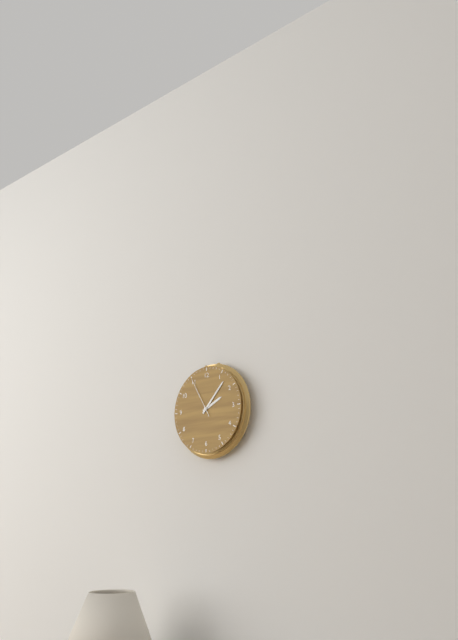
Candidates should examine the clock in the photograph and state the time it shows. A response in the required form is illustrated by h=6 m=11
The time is h=2 m=7
